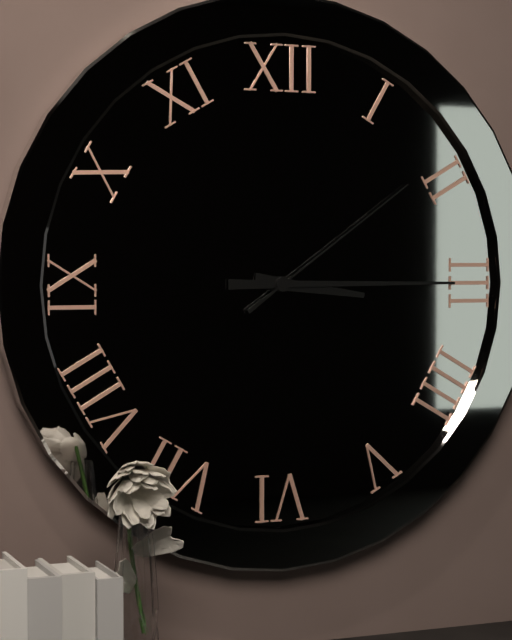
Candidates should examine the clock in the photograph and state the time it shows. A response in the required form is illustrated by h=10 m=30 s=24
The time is h=3 m=15 s=9
